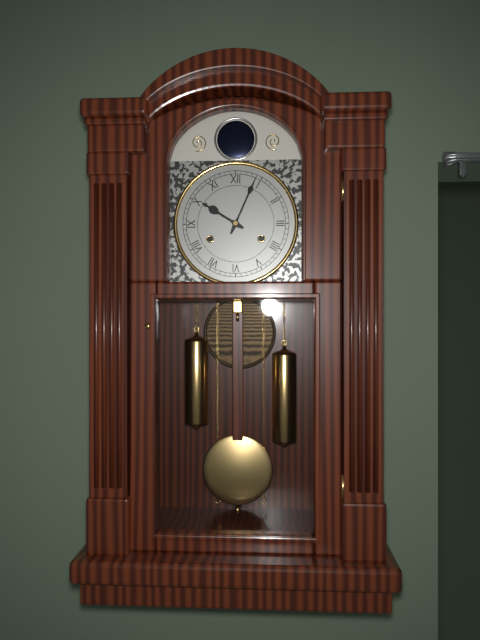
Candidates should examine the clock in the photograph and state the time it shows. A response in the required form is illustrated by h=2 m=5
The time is h=10 m=4
